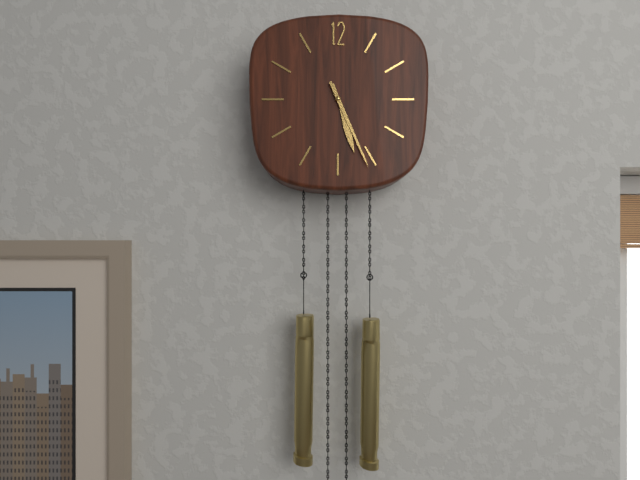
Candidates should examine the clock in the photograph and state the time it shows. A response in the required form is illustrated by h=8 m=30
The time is h=5 m=26
